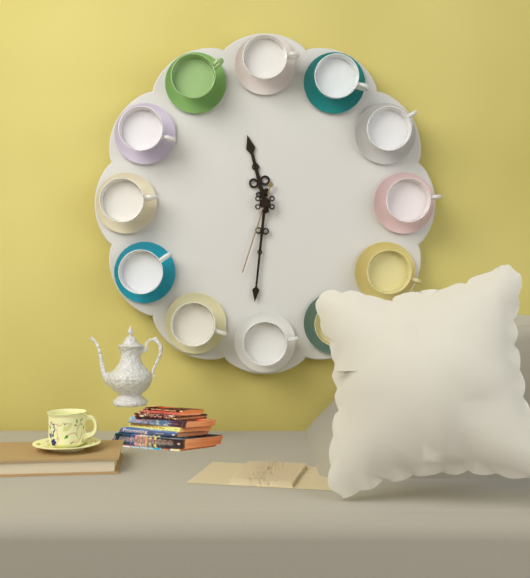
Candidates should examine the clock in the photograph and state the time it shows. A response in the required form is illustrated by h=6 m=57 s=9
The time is h=11 m=31 s=33
